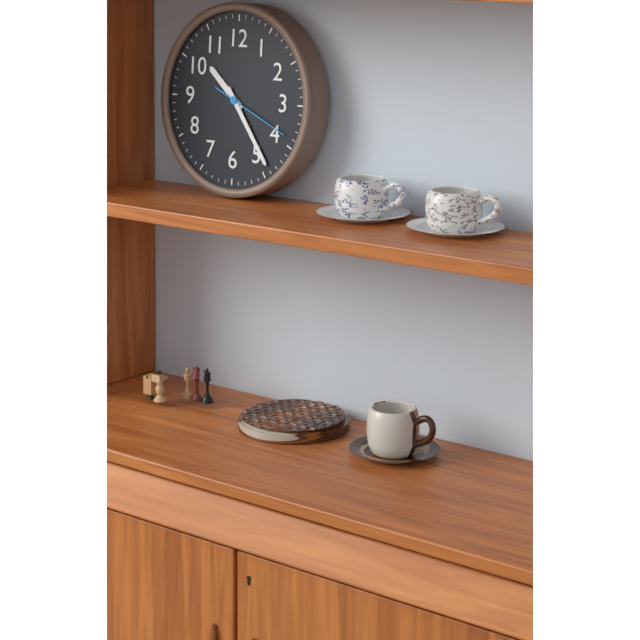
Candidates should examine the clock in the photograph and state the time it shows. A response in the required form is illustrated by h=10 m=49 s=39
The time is h=10 m=24 s=19
